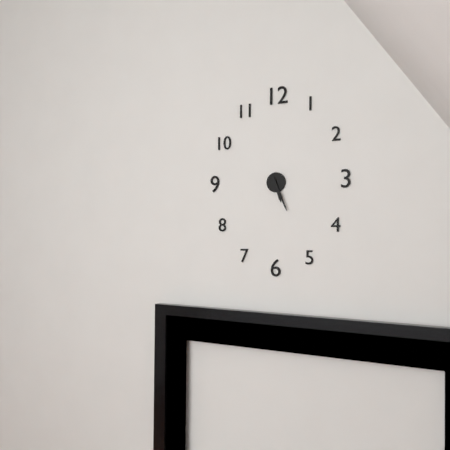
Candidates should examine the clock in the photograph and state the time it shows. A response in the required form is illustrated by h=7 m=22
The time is h=5 m=26
